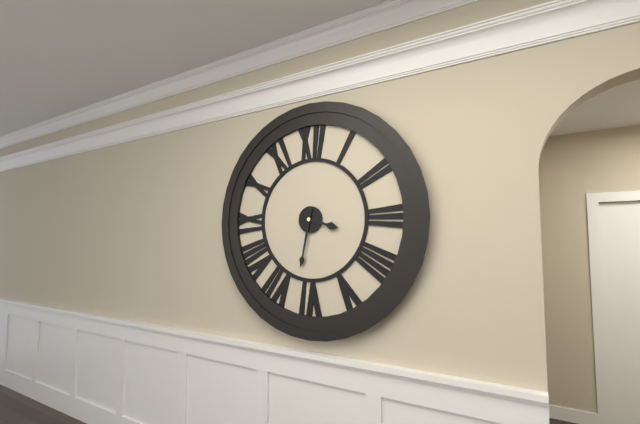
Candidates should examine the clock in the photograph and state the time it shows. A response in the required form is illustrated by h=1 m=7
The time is h=3 m=32
